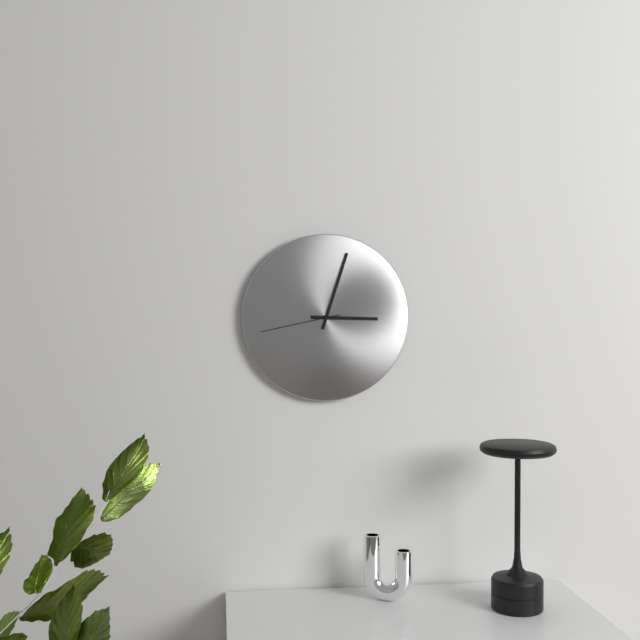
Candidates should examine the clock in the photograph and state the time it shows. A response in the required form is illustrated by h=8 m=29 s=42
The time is h=3 m=3 s=43
